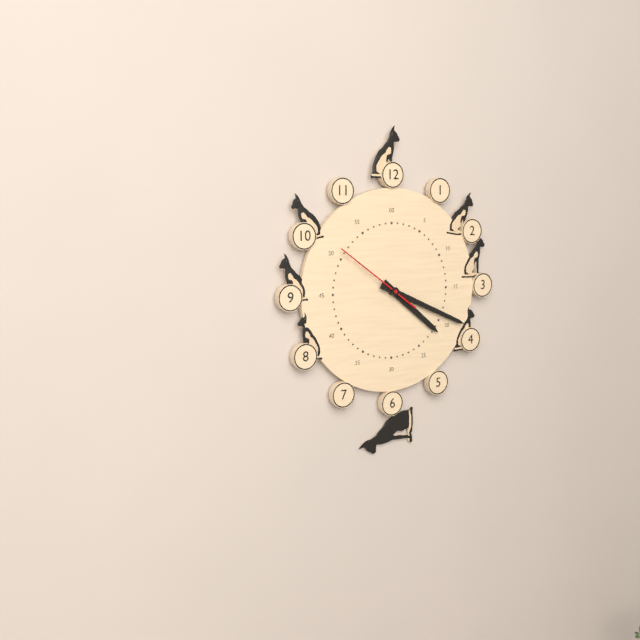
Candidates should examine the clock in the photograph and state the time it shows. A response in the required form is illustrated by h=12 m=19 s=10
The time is h=4 m=19 s=51
